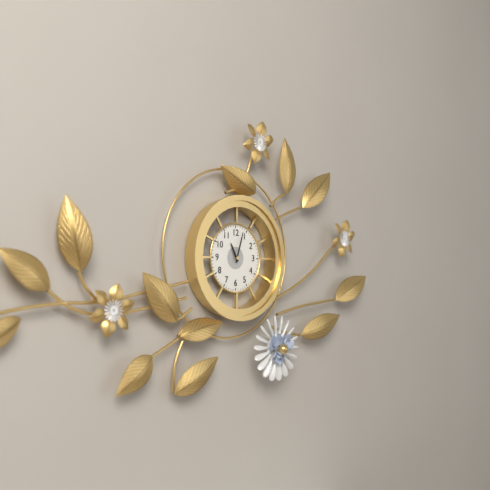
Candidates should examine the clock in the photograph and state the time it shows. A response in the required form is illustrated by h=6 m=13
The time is h=11 m=3
